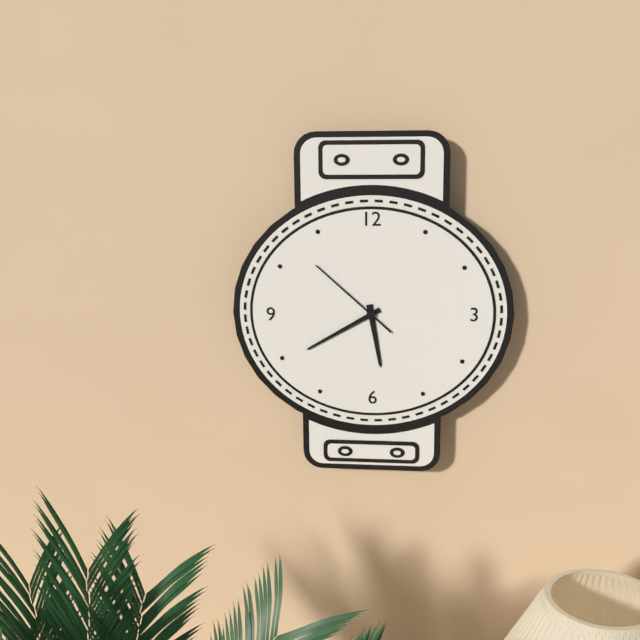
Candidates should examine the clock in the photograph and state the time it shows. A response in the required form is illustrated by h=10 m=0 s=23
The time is h=5 m=40 s=52
